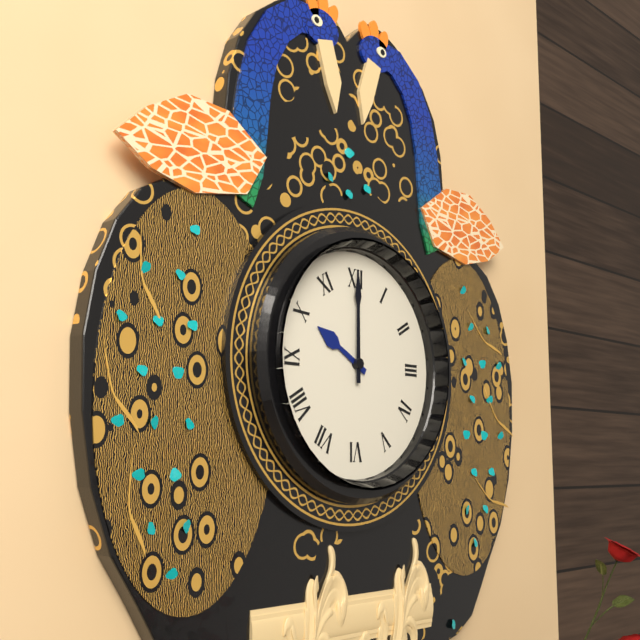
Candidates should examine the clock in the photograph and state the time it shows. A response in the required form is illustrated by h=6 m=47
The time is h=10 m=0
